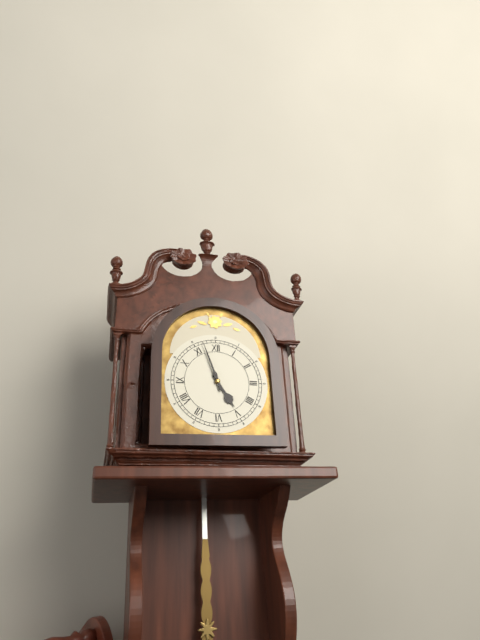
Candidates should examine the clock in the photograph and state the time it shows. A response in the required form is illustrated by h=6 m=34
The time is h=4 m=57
